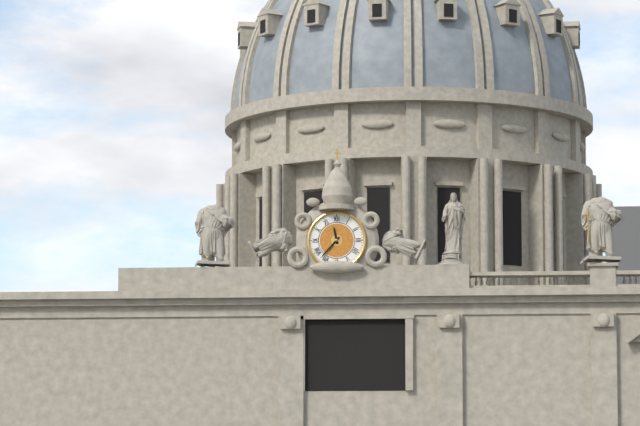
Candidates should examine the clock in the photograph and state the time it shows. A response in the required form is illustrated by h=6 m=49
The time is h=11 m=37
